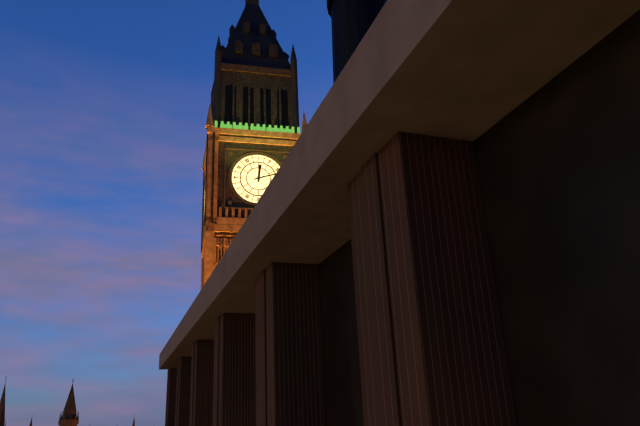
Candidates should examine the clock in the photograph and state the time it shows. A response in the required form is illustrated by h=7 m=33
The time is h=12 m=12
